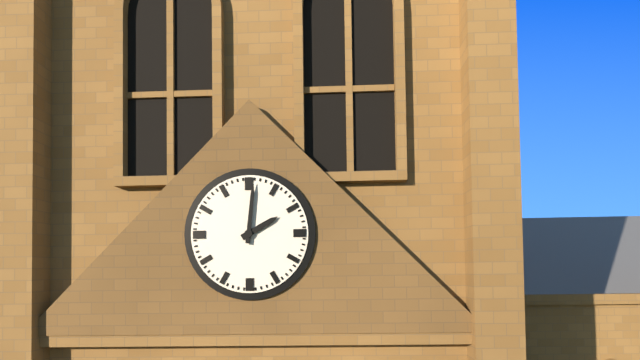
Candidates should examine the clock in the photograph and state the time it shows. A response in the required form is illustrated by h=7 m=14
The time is h=2 m=1
